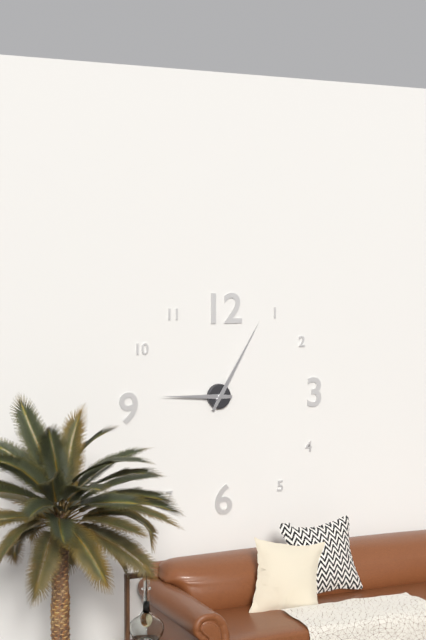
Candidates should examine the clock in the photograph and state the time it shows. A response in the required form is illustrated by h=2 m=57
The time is h=9 m=5
